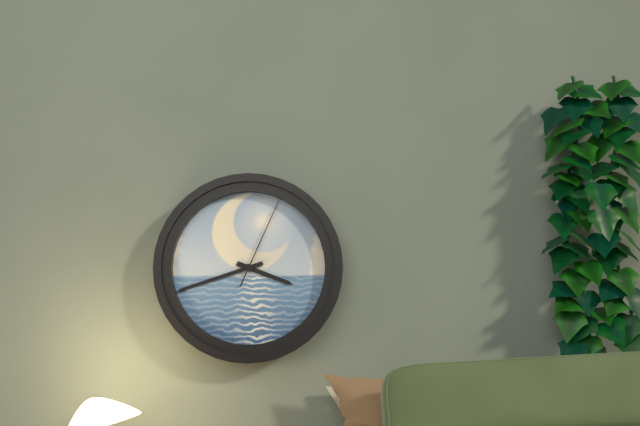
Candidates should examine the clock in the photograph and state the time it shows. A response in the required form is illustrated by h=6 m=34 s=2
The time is h=3 m=42 s=4
